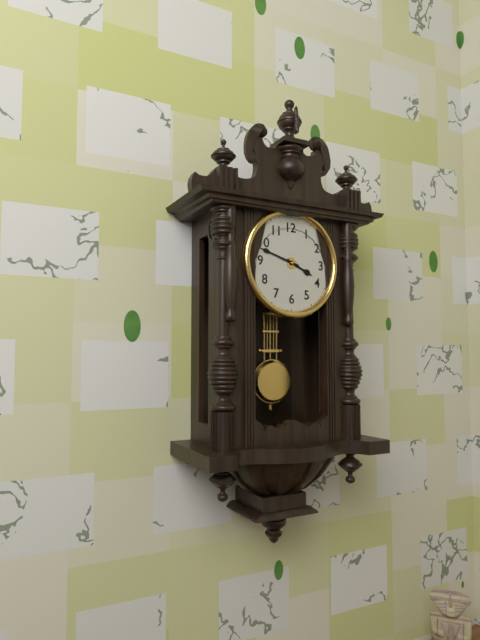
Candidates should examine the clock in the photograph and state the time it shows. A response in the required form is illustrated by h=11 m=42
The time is h=3 m=48
